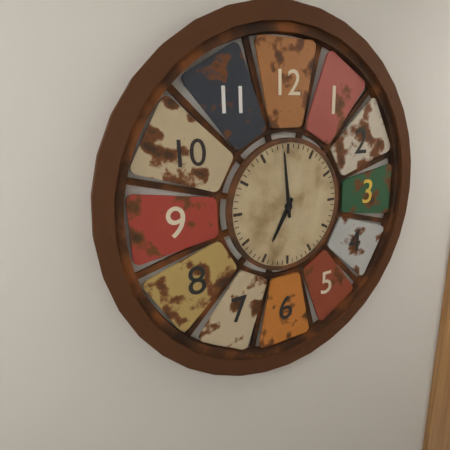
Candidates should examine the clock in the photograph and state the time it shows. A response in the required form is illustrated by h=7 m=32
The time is h=6 m=59
